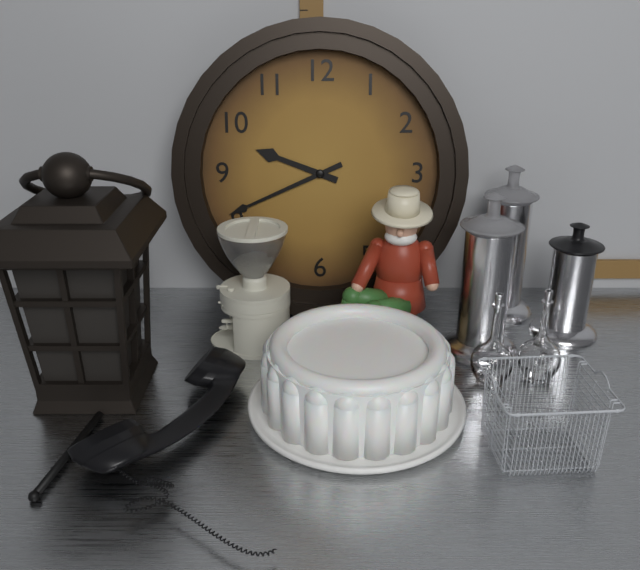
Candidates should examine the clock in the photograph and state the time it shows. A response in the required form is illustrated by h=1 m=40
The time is h=9 m=41
